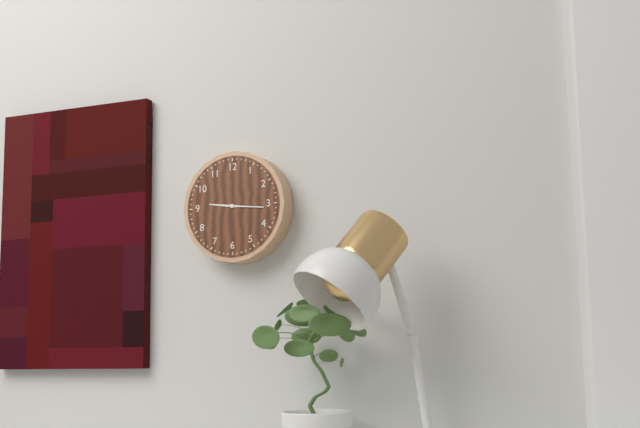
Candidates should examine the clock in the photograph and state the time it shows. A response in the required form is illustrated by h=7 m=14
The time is h=9 m=16
